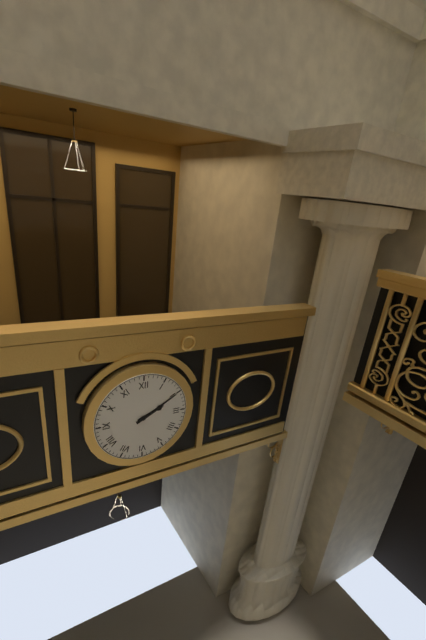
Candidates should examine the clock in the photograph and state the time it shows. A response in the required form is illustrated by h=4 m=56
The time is h=2 m=10
